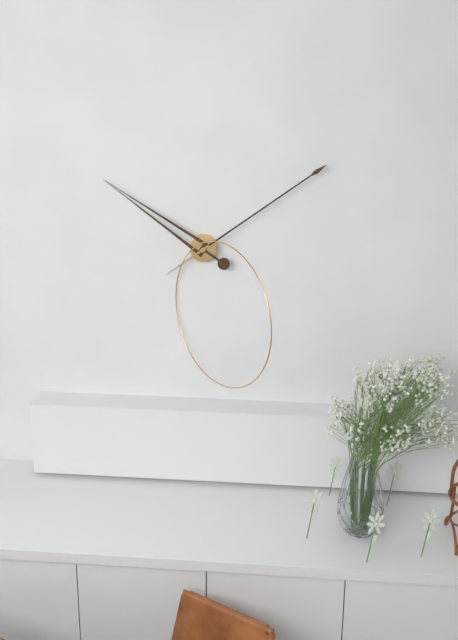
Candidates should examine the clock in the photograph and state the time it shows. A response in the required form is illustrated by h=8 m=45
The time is h=10 m=9
